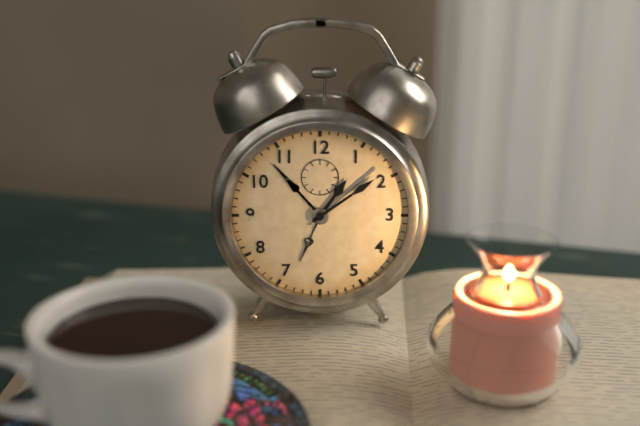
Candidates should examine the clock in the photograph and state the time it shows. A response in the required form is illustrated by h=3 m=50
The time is h=1 m=9
